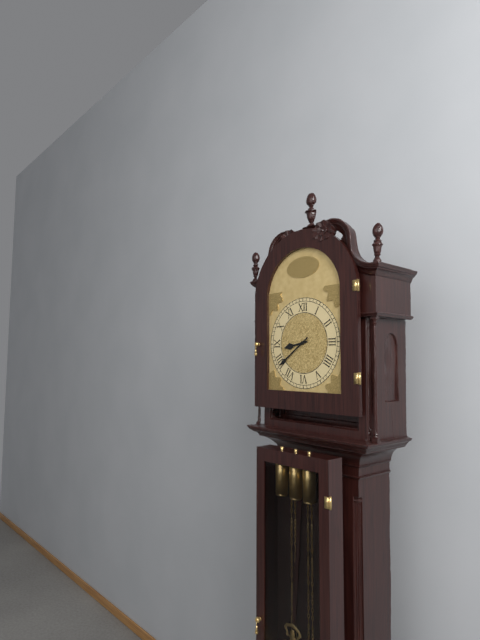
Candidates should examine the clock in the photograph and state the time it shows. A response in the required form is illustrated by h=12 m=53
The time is h=8 m=39
